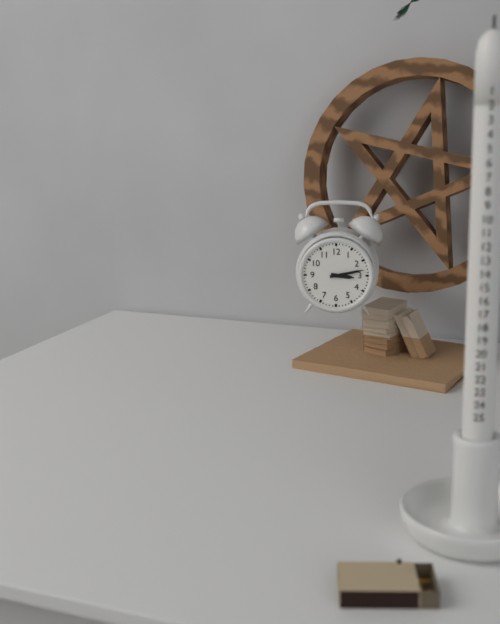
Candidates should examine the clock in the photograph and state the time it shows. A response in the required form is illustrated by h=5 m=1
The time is h=3 m=13
